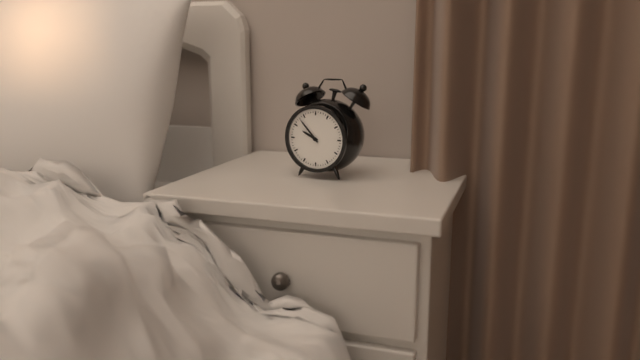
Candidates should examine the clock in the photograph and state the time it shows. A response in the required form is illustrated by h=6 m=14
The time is h=9 m=53
